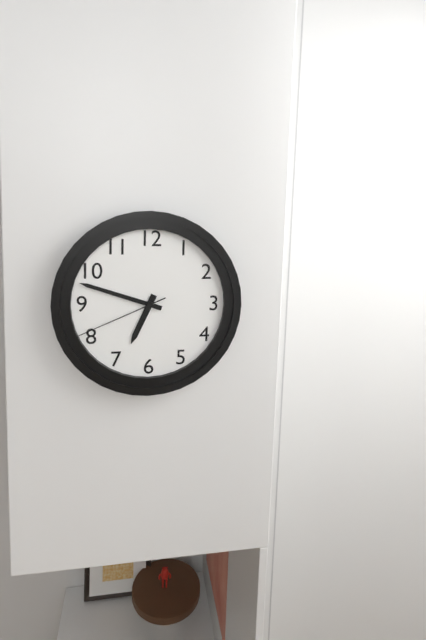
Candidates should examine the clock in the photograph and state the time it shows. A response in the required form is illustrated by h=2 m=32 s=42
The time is h=6 m=48 s=41
